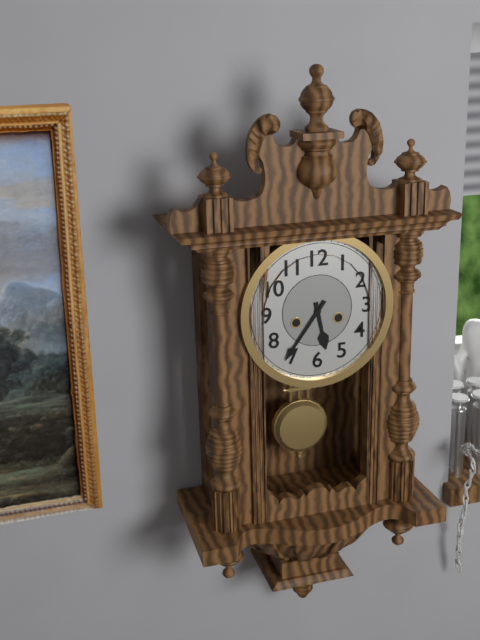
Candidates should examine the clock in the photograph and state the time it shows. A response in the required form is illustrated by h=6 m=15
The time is h=5 m=36
